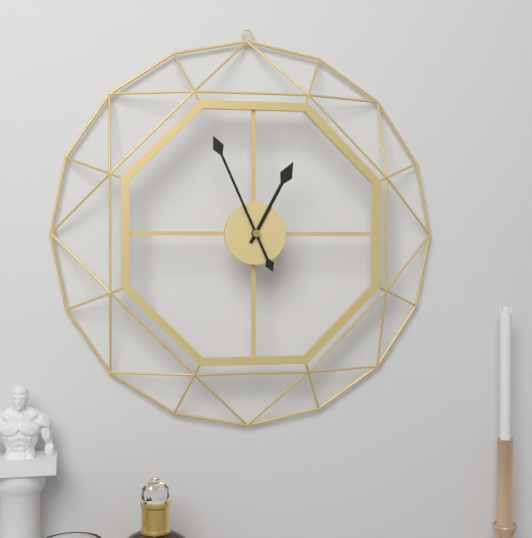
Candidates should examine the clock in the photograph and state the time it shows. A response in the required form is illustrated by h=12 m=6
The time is h=12 m=56
